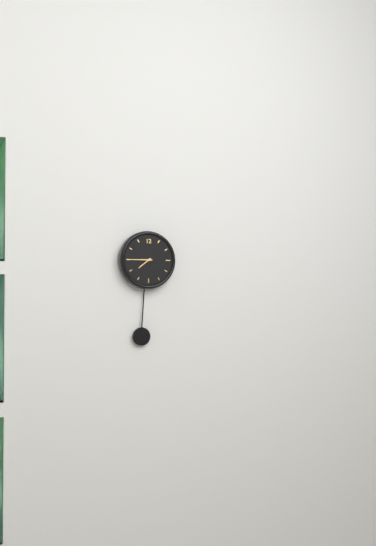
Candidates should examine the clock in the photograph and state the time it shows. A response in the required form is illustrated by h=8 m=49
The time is h=7 m=45
